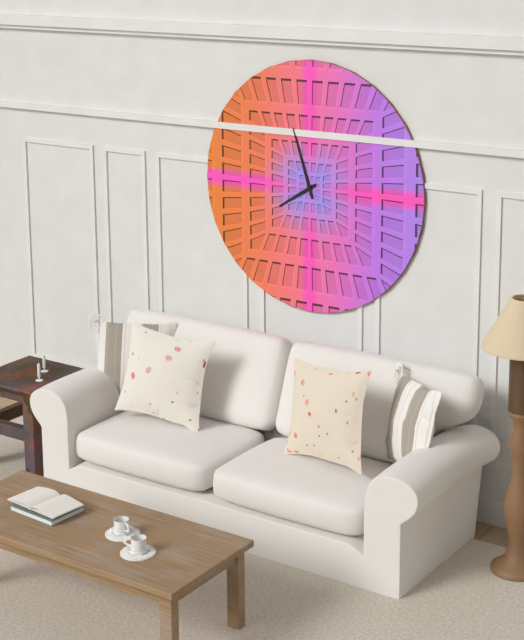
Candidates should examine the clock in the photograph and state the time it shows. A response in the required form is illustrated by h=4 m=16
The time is h=7 m=57
